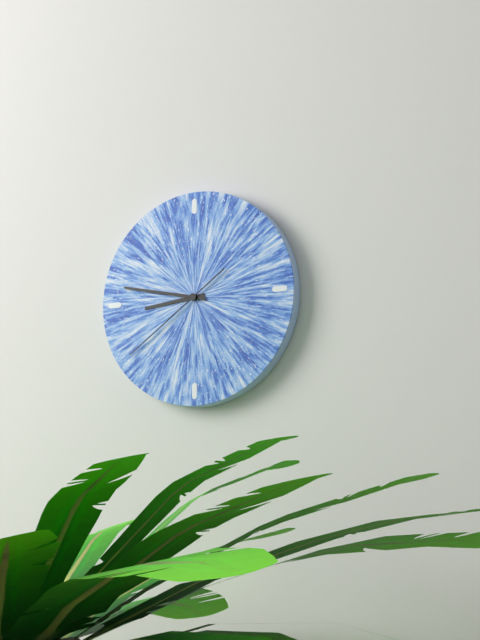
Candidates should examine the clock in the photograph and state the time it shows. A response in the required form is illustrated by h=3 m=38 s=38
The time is h=8 m=47 s=39
